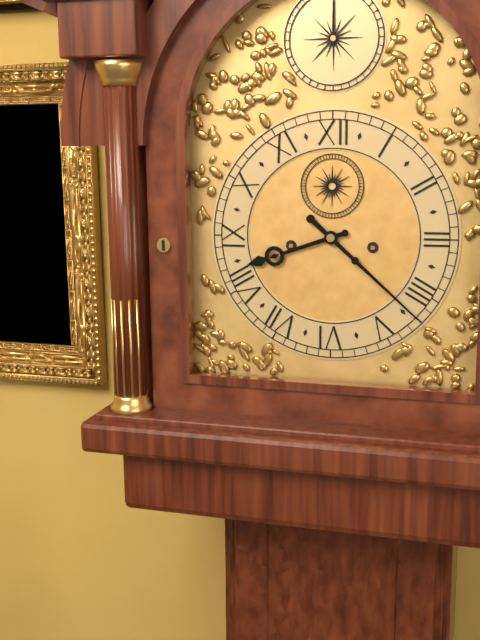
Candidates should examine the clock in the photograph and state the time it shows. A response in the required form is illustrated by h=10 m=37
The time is h=8 m=22
